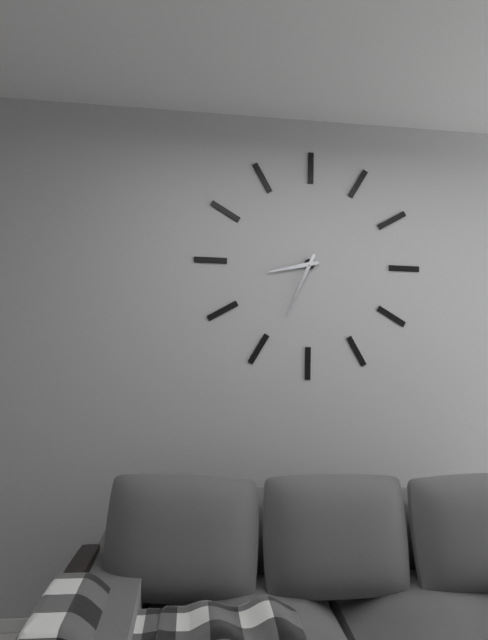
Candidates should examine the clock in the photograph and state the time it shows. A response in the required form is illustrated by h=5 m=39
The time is h=8 m=34
